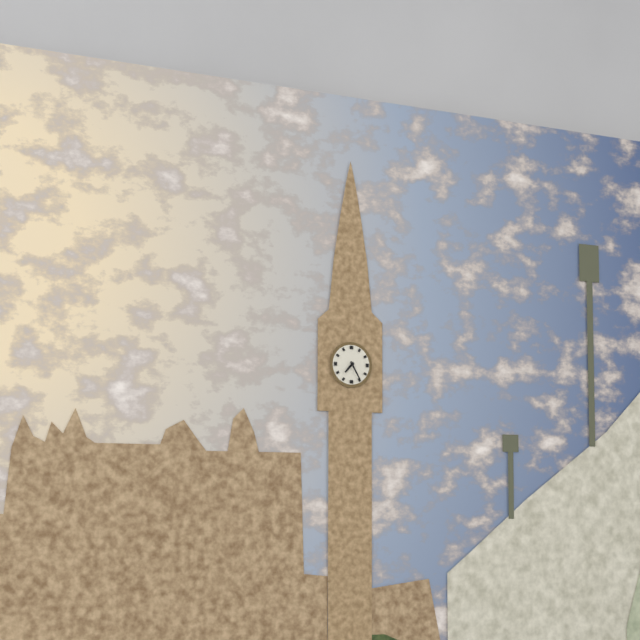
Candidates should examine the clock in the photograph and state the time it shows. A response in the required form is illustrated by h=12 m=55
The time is h=7 m=25
